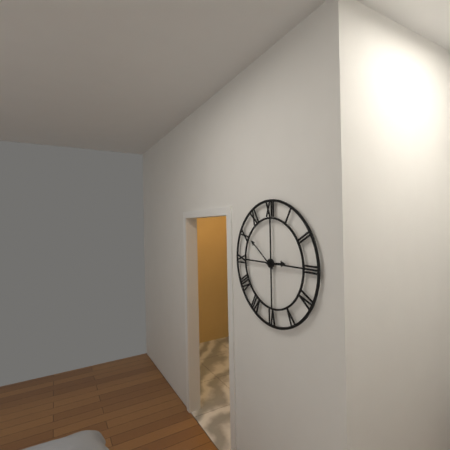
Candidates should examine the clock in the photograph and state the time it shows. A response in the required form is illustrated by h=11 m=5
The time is h=2 m=51
